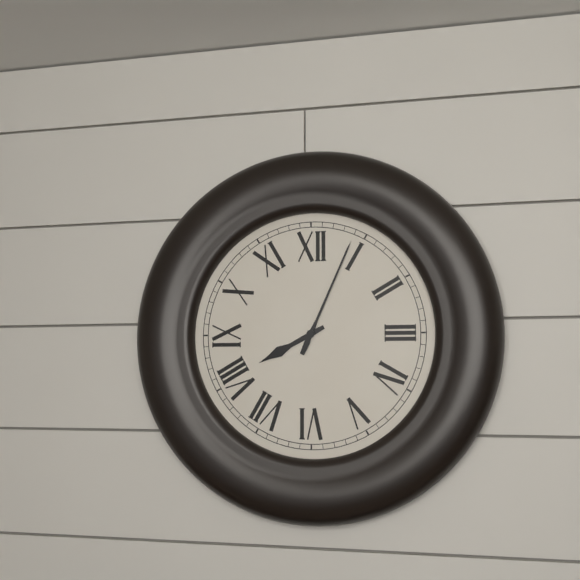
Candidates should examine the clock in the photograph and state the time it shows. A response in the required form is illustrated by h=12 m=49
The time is h=8 m=4
